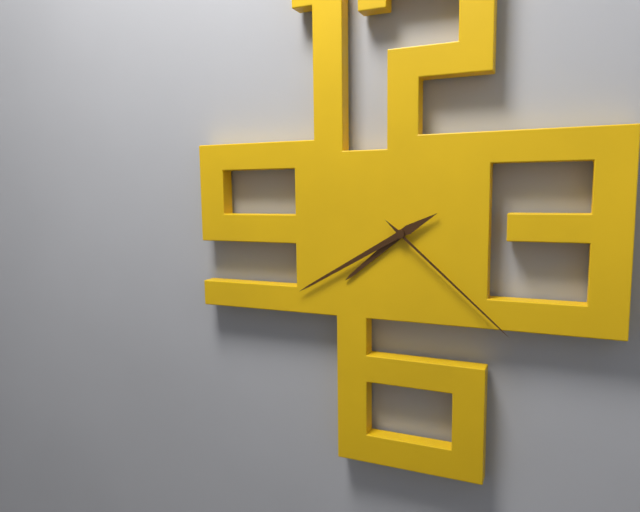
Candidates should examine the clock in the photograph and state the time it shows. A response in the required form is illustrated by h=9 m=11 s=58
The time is h=7 m=40 s=22
